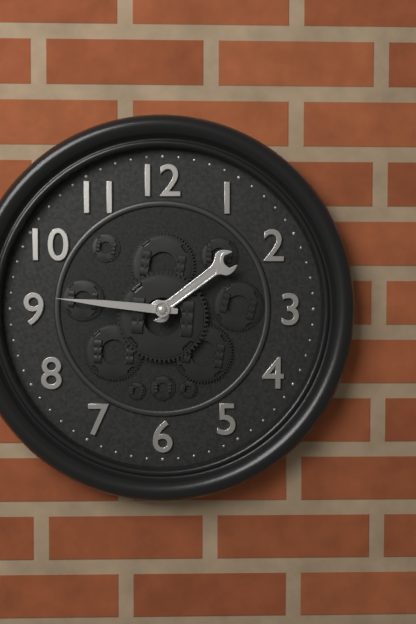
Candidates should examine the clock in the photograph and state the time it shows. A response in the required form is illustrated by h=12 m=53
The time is h=1 m=46
